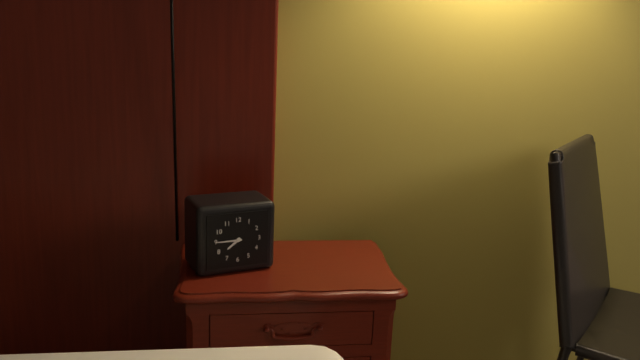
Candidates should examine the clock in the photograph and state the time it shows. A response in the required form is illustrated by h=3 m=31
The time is h=7 m=45
